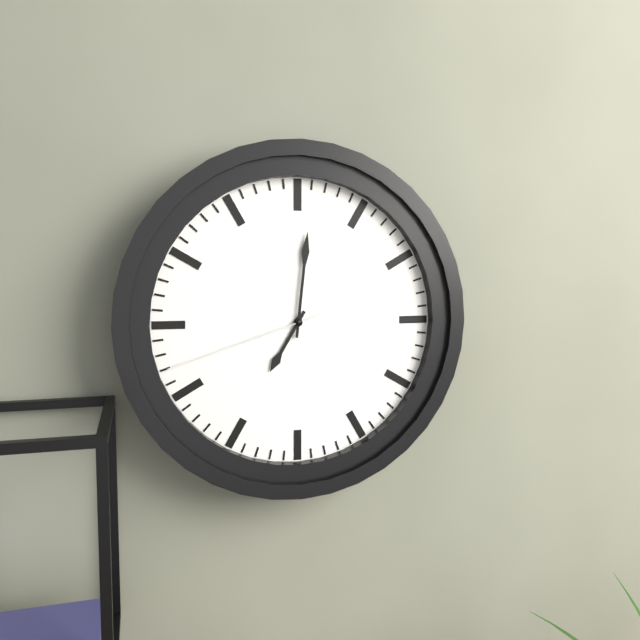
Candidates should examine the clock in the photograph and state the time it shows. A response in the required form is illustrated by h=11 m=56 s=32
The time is h=7 m=1 s=42
